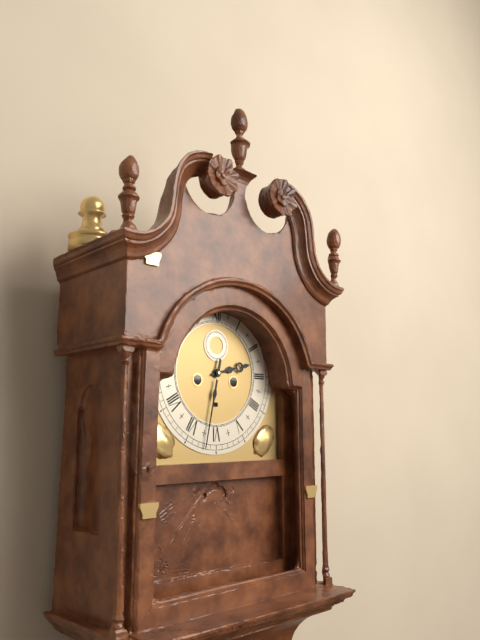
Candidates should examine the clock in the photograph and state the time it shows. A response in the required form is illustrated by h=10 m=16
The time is h=2 m=32
